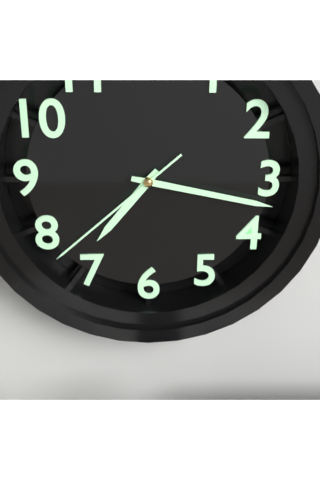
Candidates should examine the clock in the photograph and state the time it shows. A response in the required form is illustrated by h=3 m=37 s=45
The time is h=7 m=17 s=38
